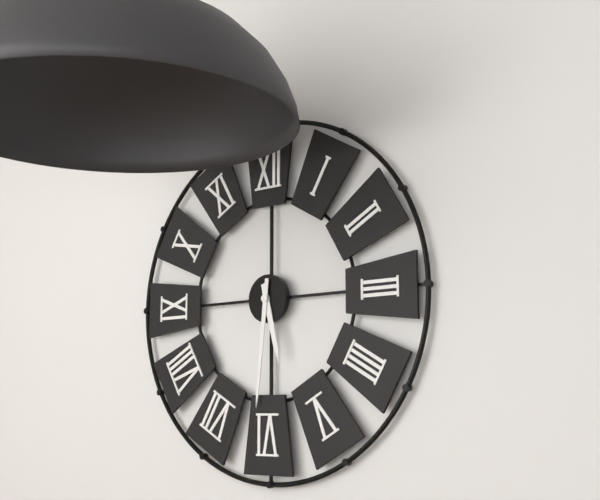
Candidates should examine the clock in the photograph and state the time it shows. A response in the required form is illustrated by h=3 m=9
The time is h=5 m=31
